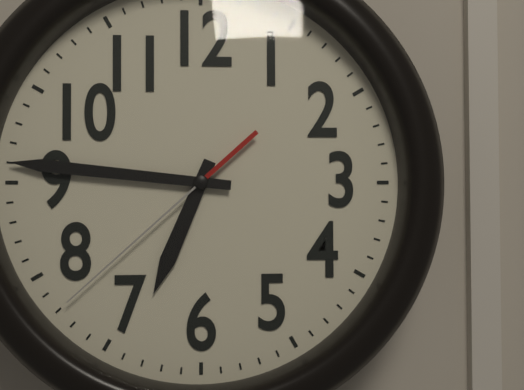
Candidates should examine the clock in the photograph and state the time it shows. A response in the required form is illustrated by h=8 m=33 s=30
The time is h=6 m=46 s=38
